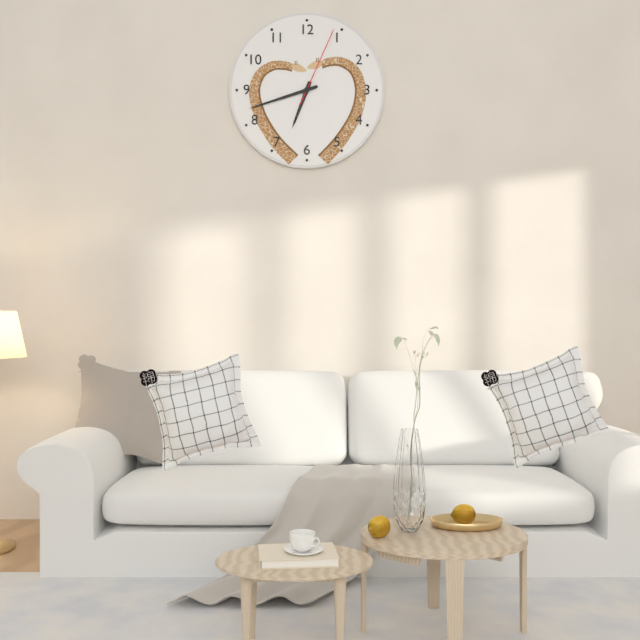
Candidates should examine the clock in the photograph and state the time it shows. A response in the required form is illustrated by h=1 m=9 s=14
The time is h=6 m=42 s=4
